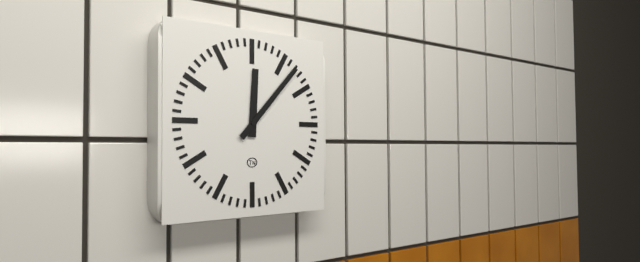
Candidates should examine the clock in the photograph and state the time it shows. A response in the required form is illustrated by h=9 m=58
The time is h=12 m=7
